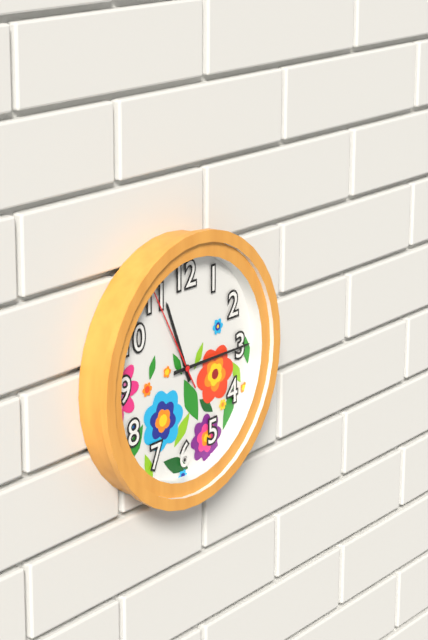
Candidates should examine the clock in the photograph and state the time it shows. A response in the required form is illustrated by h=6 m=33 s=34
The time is h=11 m=15 s=55
